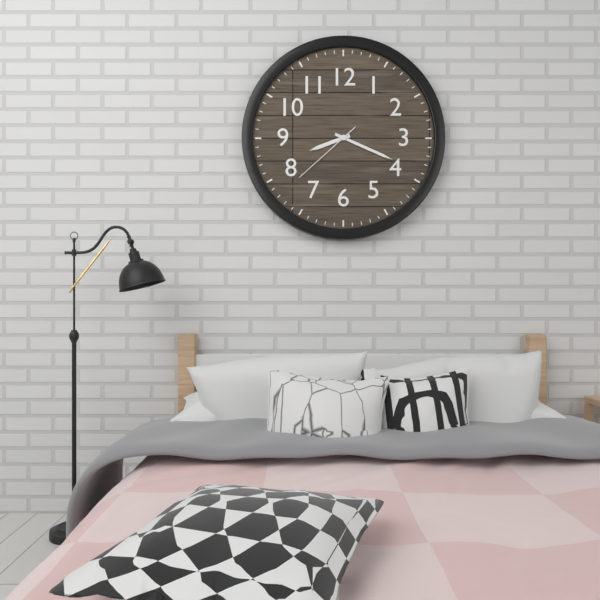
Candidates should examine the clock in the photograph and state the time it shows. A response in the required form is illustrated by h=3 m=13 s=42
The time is h=8 m=19 s=38
